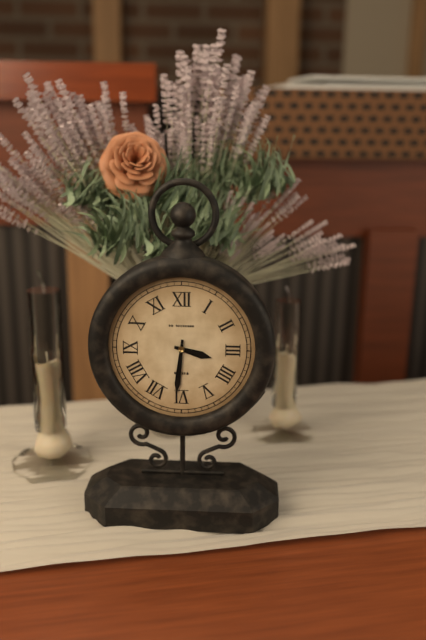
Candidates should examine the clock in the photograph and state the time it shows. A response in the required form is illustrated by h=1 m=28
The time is h=3 m=31
